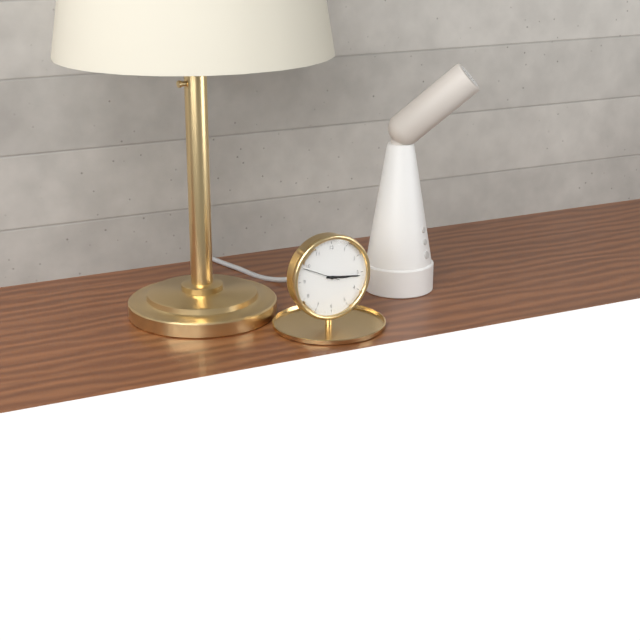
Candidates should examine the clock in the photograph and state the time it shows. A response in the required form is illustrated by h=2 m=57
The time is h=3 m=16
